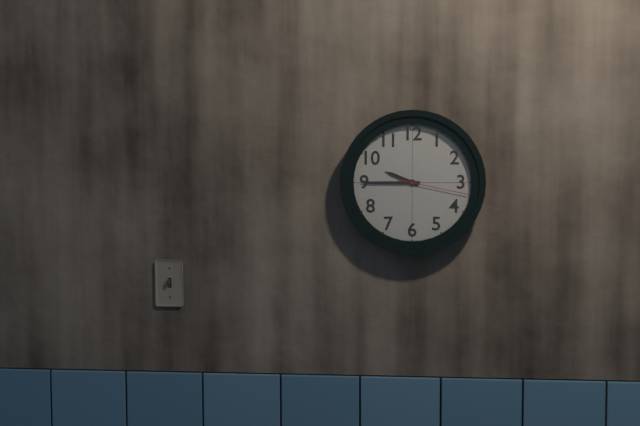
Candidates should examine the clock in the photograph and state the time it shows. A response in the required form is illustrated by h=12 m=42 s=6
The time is h=9 m=45 s=17
